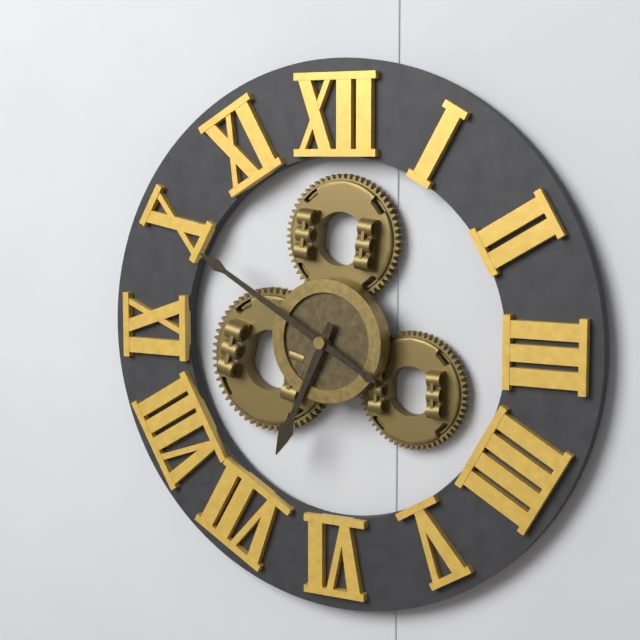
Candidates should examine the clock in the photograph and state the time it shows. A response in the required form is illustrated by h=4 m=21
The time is h=6 m=50
